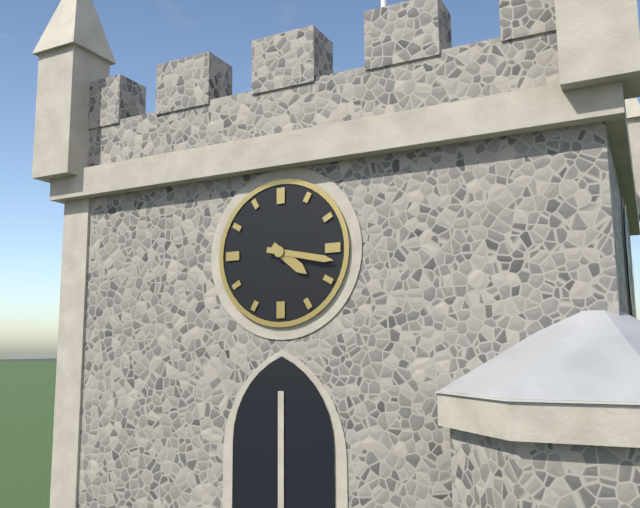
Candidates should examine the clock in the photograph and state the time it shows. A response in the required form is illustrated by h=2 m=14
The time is h=4 m=17
